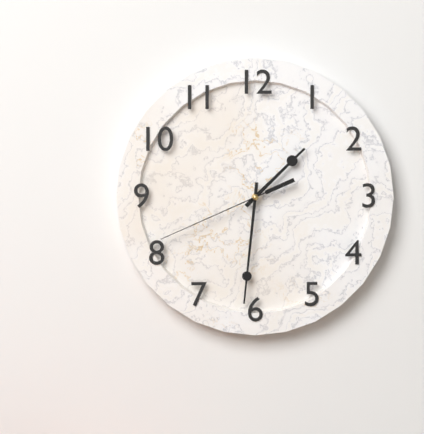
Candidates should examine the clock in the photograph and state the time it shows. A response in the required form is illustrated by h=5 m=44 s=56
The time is h=1 m=31 s=41
